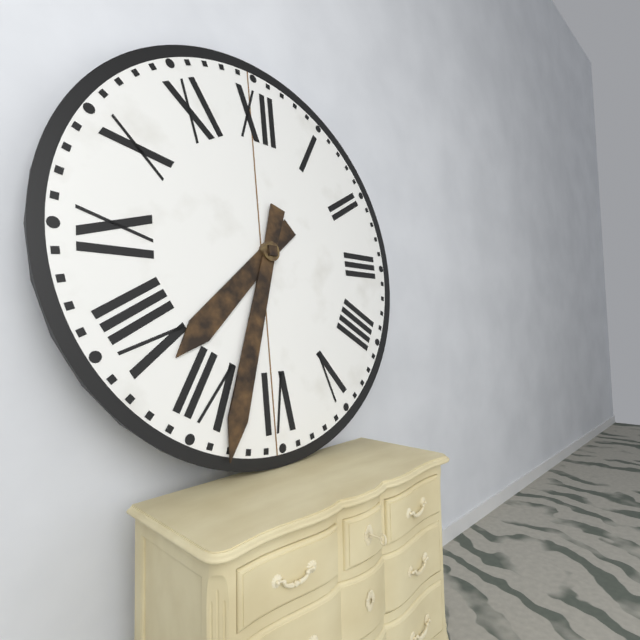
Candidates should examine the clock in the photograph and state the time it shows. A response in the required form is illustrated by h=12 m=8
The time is h=7 m=33
